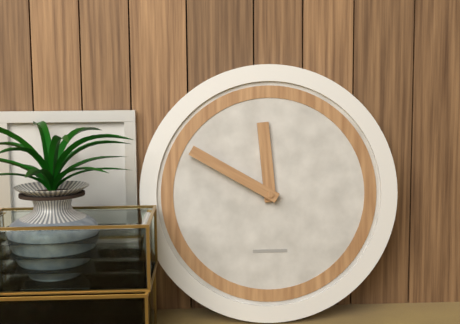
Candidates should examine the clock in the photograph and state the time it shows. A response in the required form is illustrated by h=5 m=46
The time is h=11 m=50
